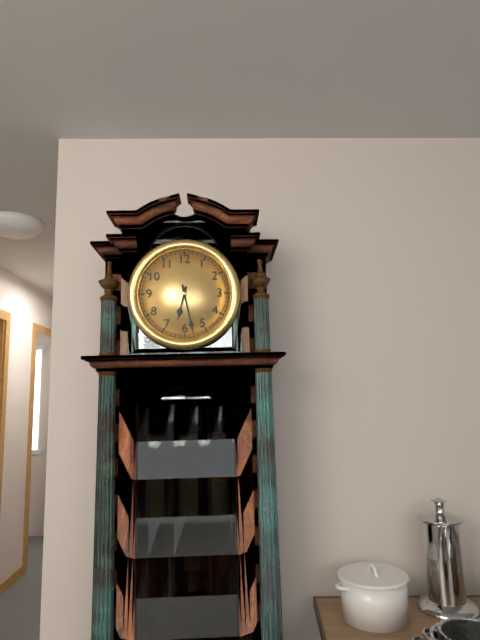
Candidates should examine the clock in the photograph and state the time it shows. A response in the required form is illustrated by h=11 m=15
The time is h=6 m=28
